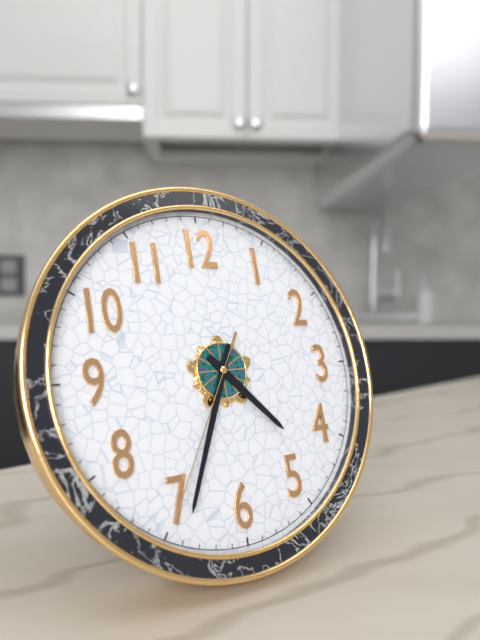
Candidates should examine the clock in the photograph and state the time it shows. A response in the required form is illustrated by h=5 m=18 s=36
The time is h=4 m=34 s=35
